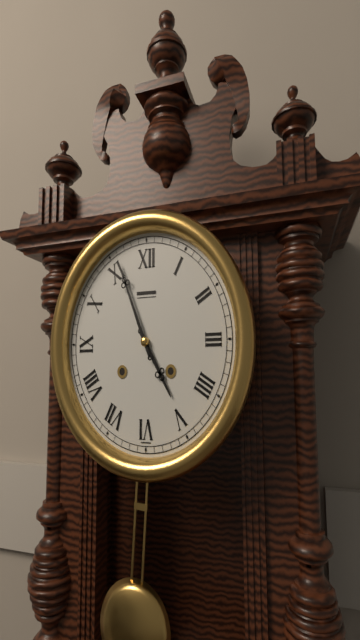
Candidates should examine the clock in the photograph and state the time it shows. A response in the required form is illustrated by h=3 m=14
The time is h=4 m=56
